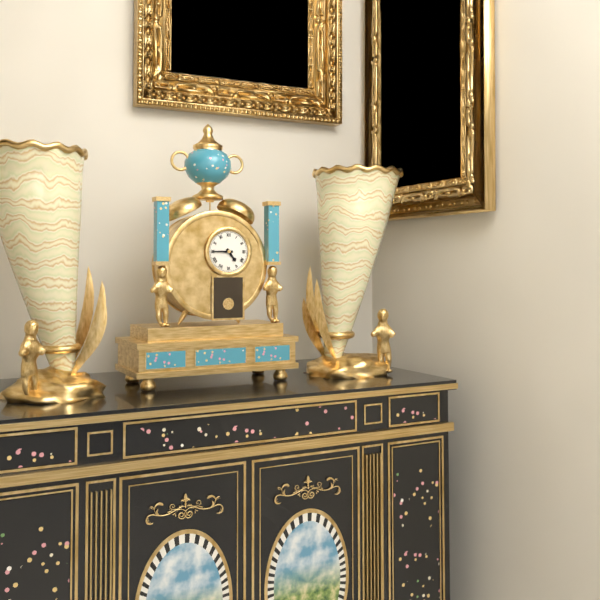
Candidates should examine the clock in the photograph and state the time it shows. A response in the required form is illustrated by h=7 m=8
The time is h=4 m=45
